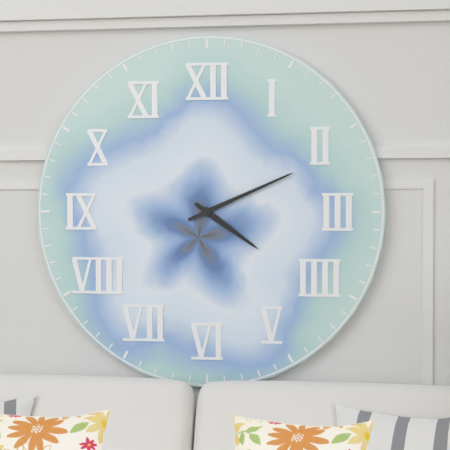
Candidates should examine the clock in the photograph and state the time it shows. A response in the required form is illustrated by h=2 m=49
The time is h=4 m=11
